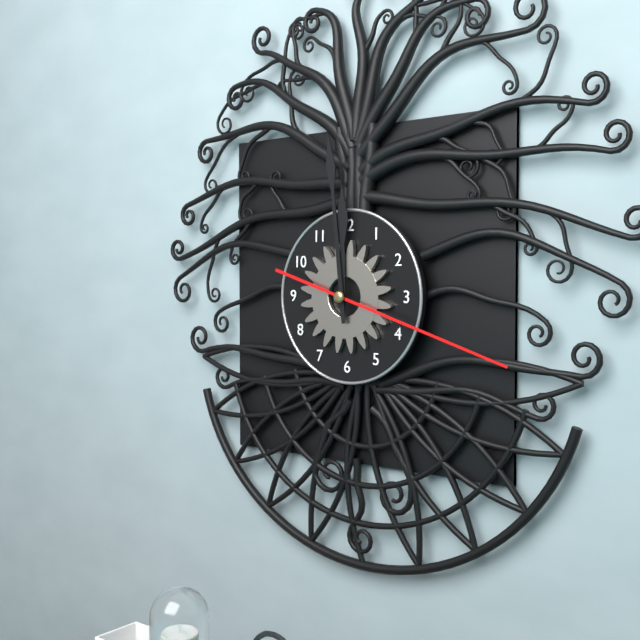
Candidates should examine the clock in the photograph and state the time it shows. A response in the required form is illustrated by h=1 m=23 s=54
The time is h=11 m=59 s=18
